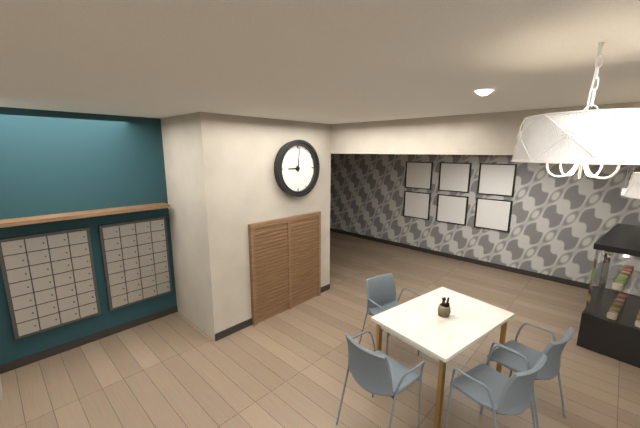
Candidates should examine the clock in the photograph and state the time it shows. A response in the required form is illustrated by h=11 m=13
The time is h=9 m=1
